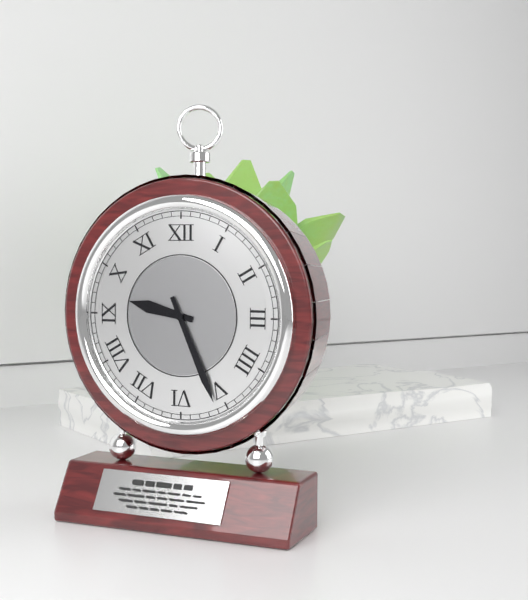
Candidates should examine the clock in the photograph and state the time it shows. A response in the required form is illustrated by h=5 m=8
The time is h=9 m=26
